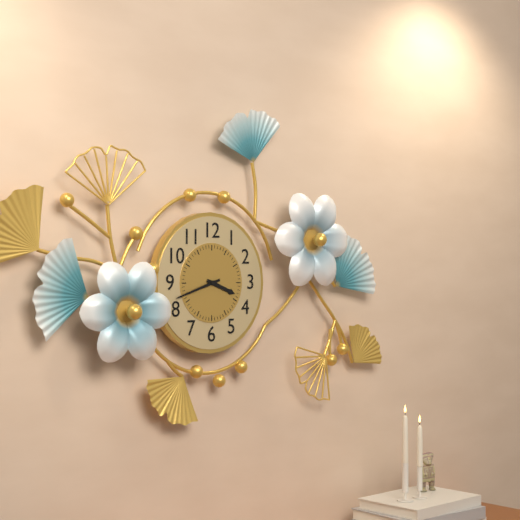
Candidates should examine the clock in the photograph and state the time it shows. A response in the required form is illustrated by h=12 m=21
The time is h=3 m=42
